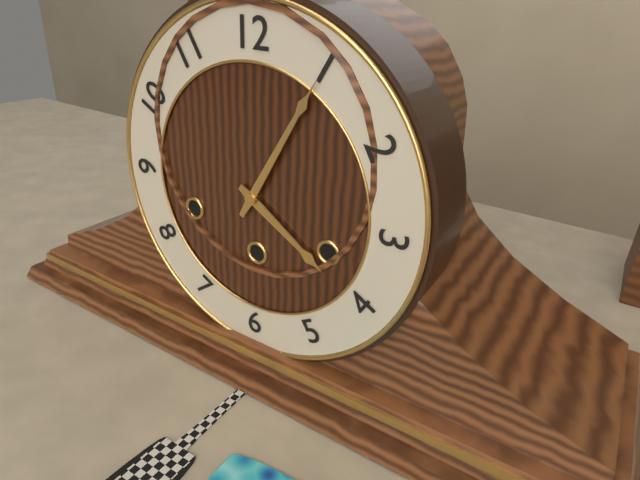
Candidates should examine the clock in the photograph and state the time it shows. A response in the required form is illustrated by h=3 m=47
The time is h=4 m=5
